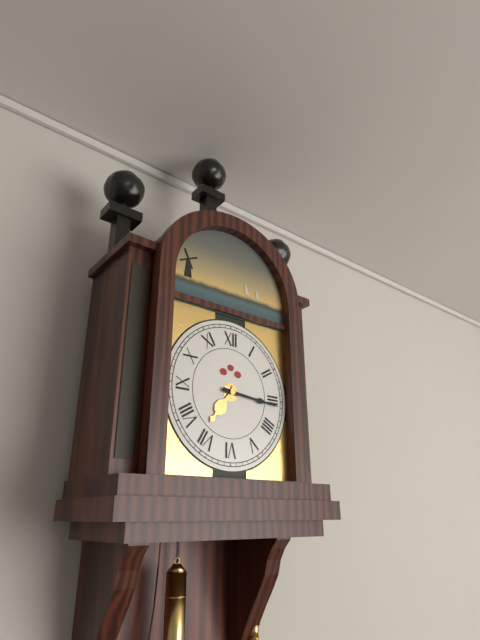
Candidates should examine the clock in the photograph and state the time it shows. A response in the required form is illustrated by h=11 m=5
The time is h=7 m=16
